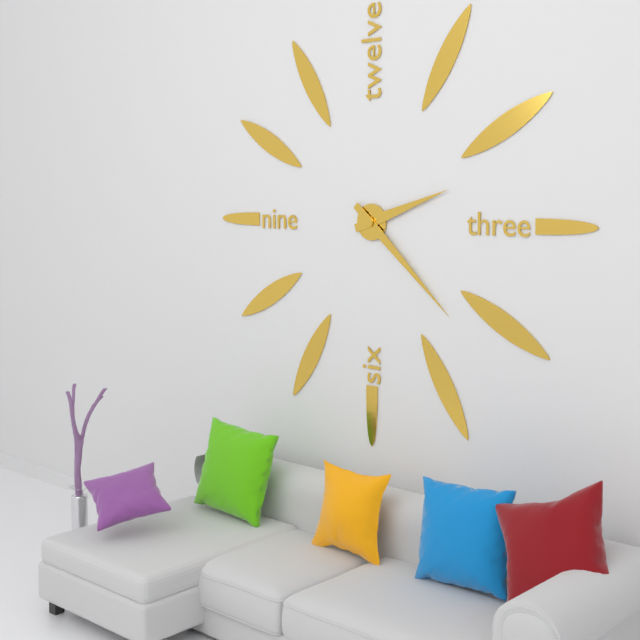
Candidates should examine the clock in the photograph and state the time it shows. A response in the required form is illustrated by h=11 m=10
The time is h=2 m=22
